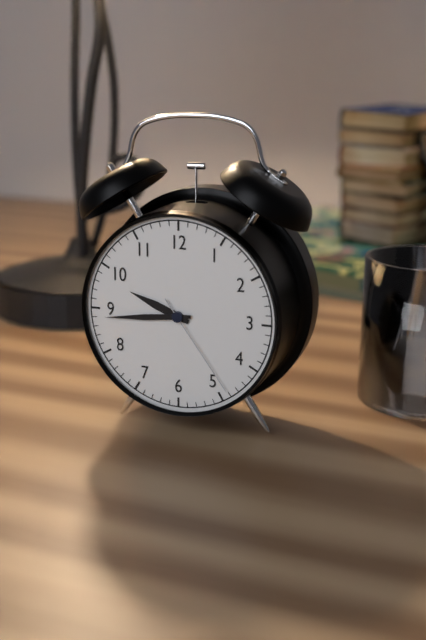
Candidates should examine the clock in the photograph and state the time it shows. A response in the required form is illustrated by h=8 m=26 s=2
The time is h=9 m=44 s=24
